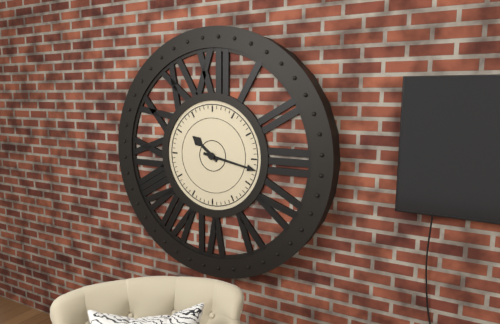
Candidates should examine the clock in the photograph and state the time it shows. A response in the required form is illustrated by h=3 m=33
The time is h=10 m=17
